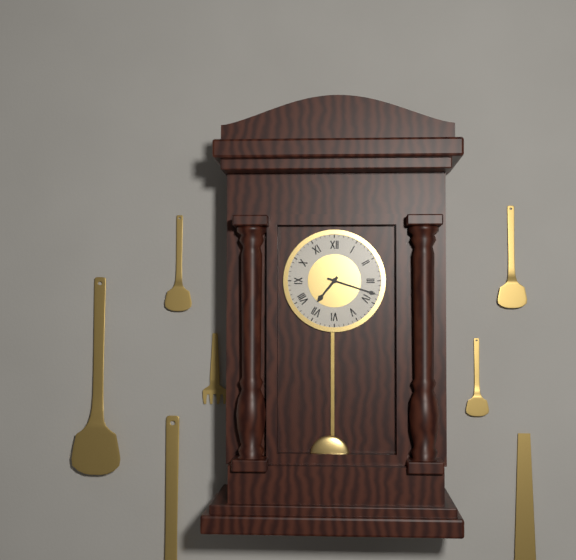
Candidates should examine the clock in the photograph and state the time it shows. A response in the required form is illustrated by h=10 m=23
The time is h=7 m=18
